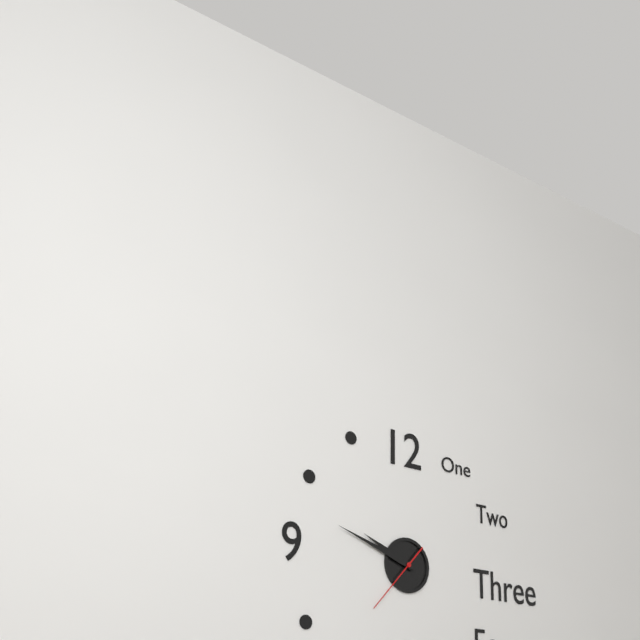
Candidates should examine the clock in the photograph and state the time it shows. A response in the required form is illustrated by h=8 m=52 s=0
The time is h=9 m=48 s=37
